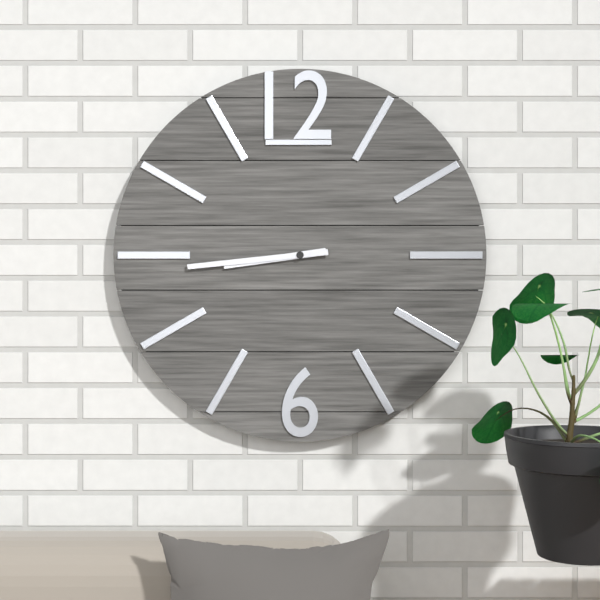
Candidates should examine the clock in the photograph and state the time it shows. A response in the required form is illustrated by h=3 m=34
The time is h=8 m=44
